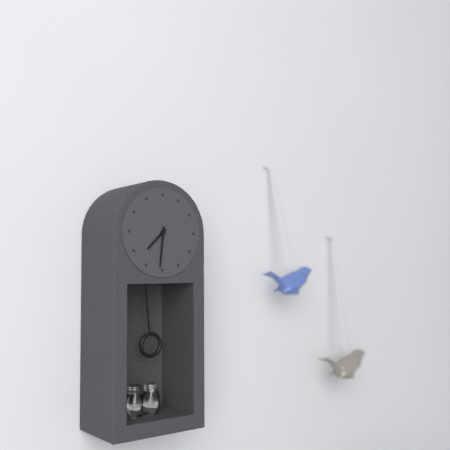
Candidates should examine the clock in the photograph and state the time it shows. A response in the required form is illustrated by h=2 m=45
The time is h=7 m=31
